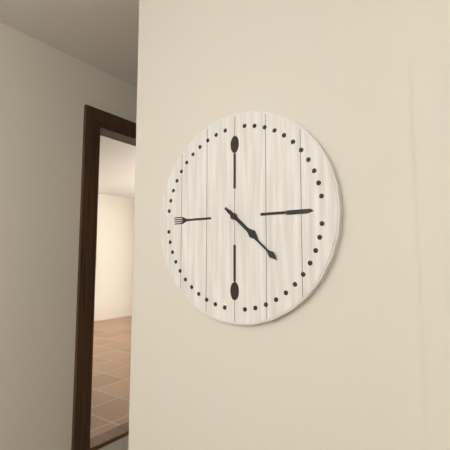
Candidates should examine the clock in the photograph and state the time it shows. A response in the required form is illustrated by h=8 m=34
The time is h=4 m=22
